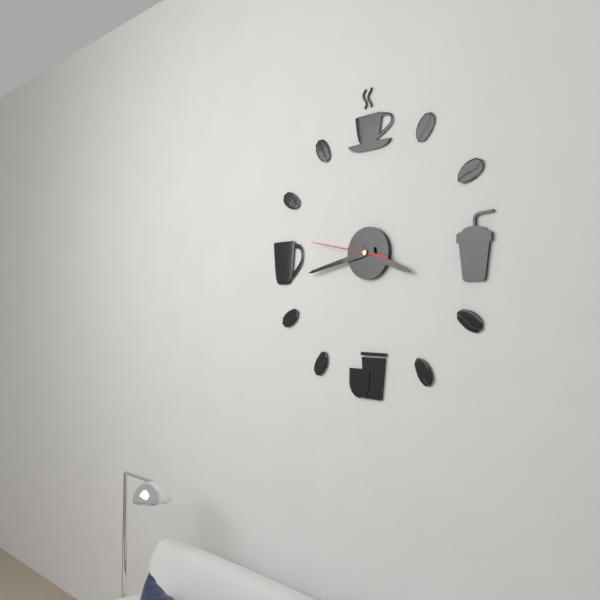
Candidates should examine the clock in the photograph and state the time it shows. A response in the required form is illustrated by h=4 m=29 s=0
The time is h=3 m=43 s=47
